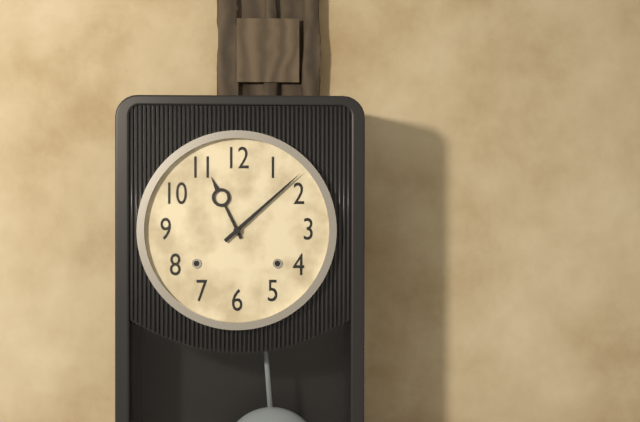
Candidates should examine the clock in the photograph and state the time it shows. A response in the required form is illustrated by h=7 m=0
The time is h=11 m=8
